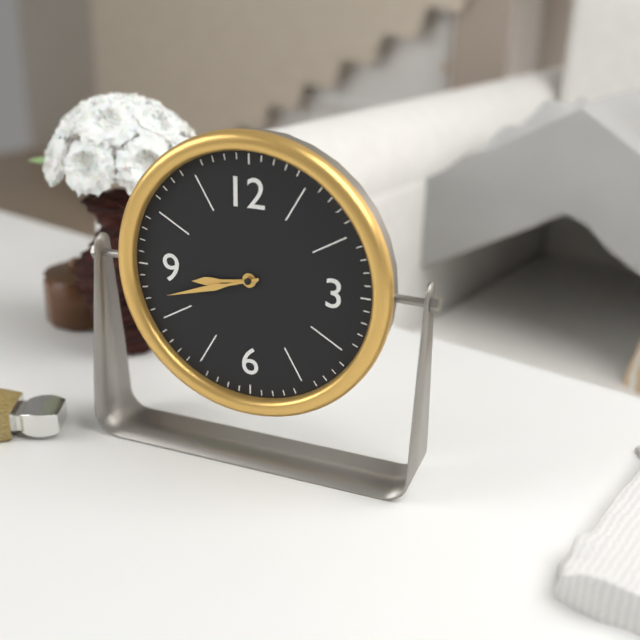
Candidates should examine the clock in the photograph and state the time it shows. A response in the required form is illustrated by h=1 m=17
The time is h=8 m=42
